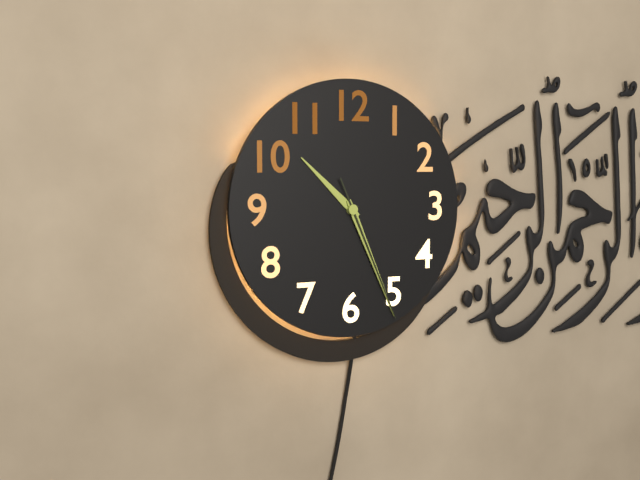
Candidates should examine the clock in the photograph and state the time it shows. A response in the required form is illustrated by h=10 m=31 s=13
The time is h=10 m=26 s=26
